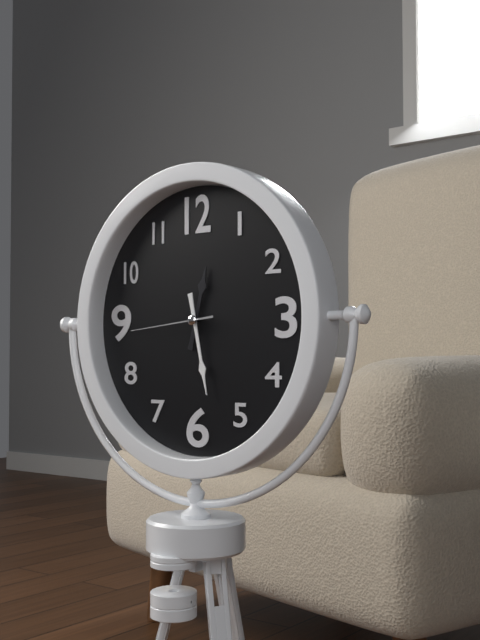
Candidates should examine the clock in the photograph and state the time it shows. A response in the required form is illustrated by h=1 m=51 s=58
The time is h=12 m=28 s=44
